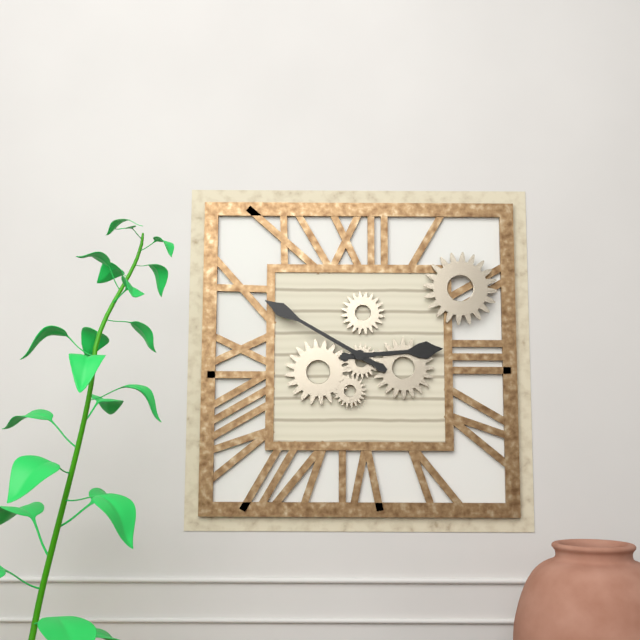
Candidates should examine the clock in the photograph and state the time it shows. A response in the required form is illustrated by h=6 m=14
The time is h=2 m=50
